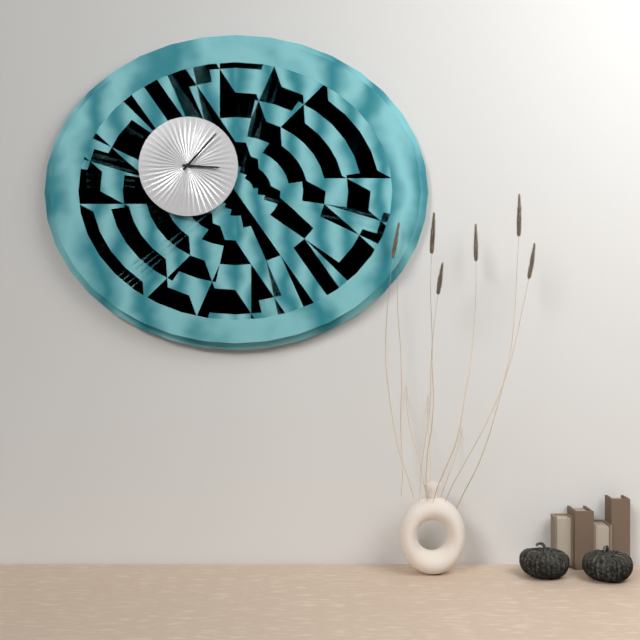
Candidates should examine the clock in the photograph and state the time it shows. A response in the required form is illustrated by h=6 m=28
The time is h=3 m=7
